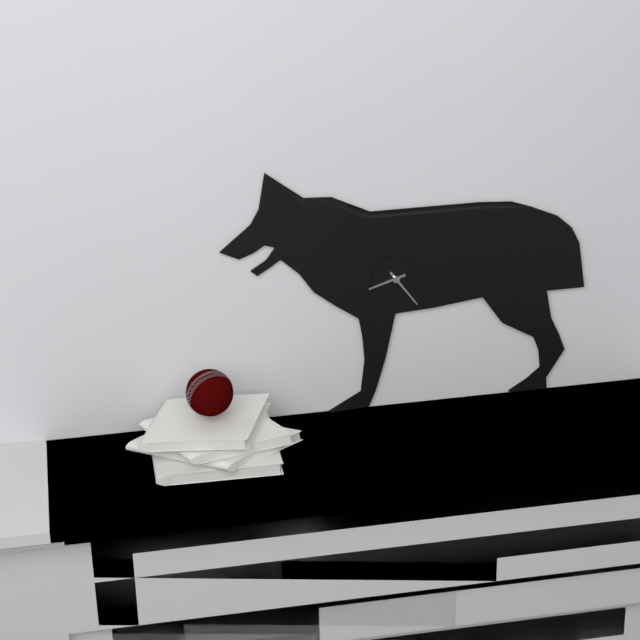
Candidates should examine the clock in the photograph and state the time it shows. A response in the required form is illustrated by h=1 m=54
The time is h=8 m=24
